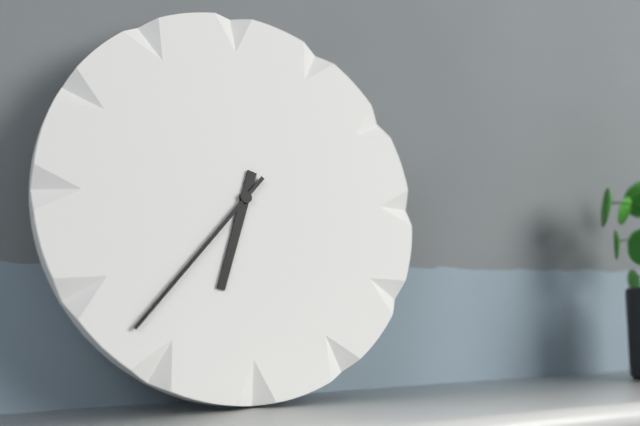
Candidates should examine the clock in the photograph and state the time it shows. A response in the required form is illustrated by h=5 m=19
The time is h=6 m=37
